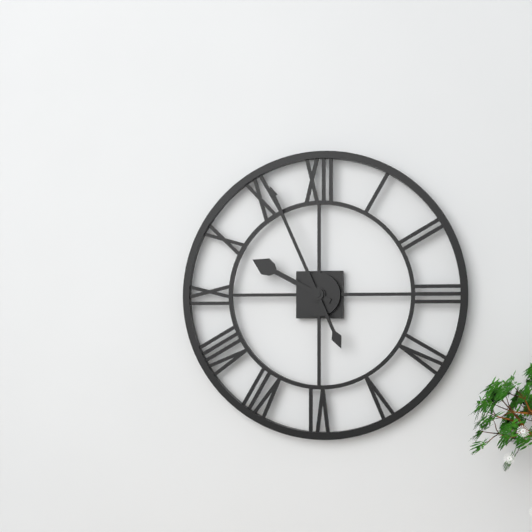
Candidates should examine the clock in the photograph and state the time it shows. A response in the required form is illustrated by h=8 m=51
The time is h=9 m=56
